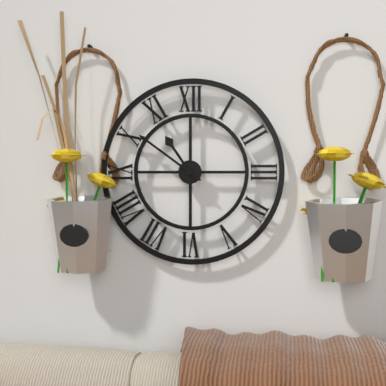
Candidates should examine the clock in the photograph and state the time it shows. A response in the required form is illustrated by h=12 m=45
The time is h=10 m=51
